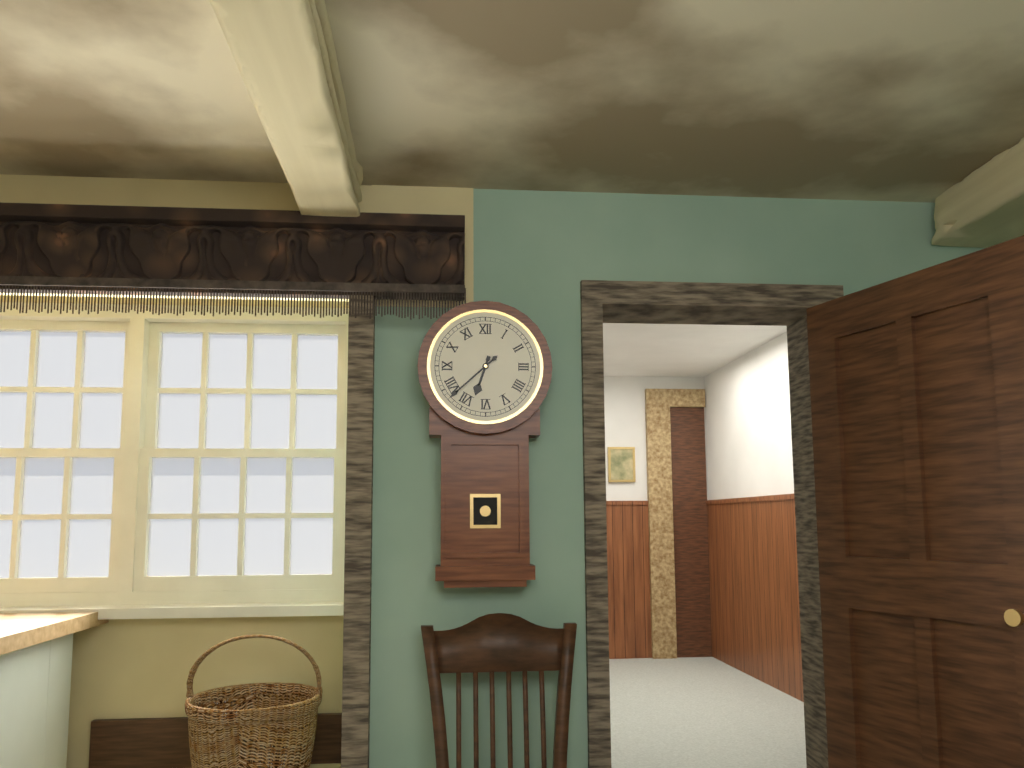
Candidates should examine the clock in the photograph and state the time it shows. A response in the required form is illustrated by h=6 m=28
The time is h=6 m=38
